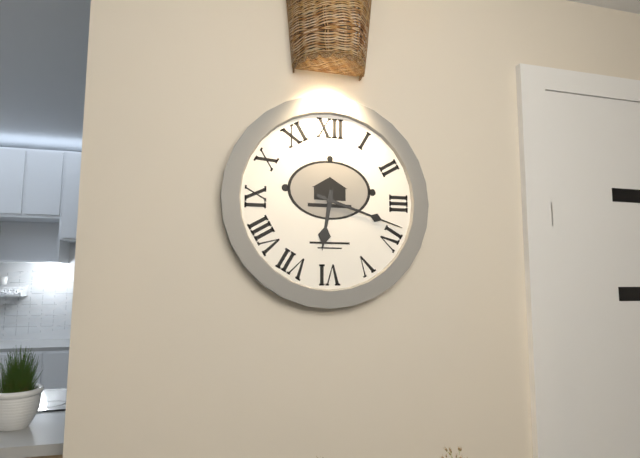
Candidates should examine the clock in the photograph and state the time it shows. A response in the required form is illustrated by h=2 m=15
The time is h=6 m=18
